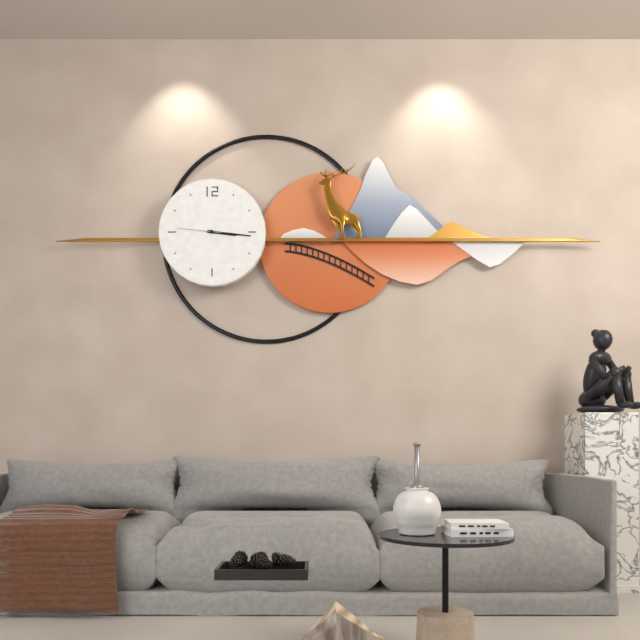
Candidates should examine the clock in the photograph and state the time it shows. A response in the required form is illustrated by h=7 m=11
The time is h=3 m=16
